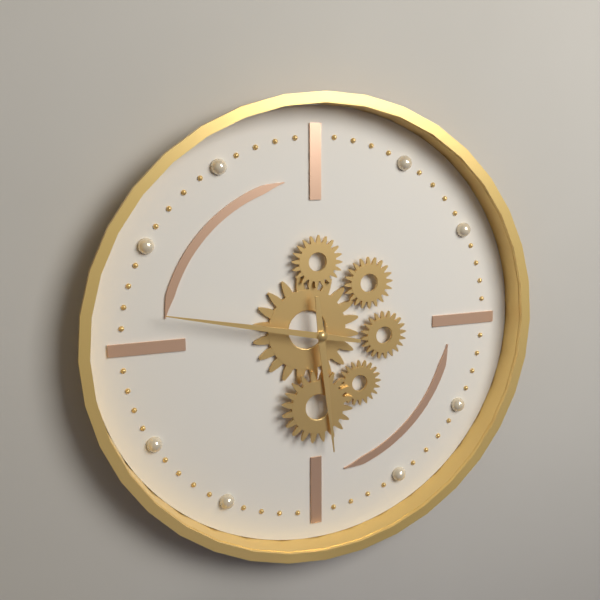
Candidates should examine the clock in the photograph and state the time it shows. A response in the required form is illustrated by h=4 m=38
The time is h=5 m=47
